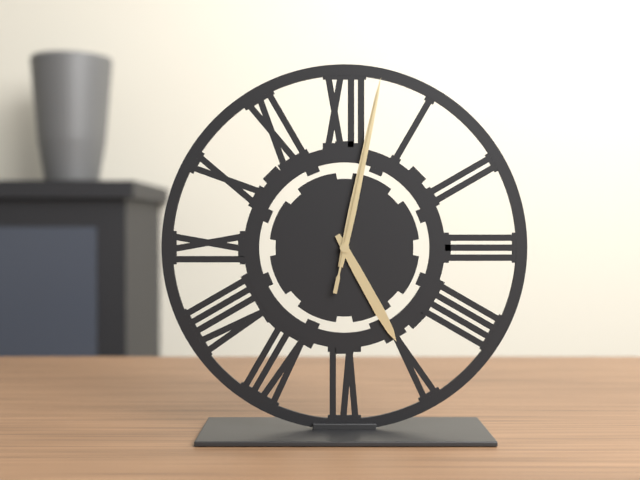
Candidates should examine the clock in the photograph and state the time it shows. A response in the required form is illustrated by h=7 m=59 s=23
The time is h=5 m=2 s=2
